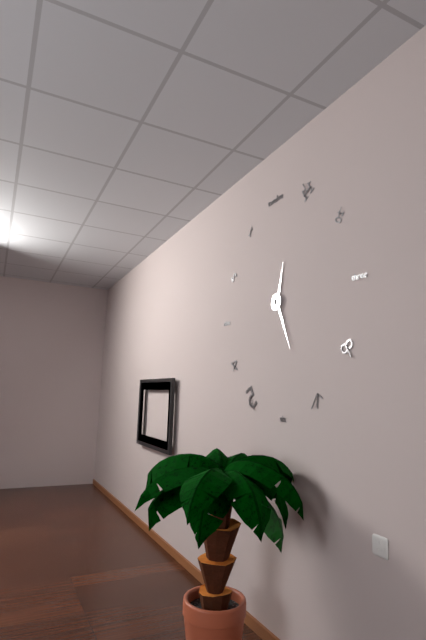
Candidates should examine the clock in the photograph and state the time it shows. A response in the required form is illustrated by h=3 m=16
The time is h=12 m=26
